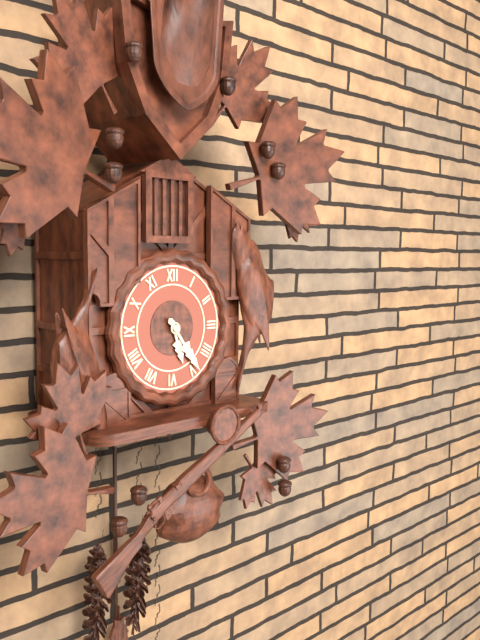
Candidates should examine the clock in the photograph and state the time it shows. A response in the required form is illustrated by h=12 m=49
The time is h=5 m=24
